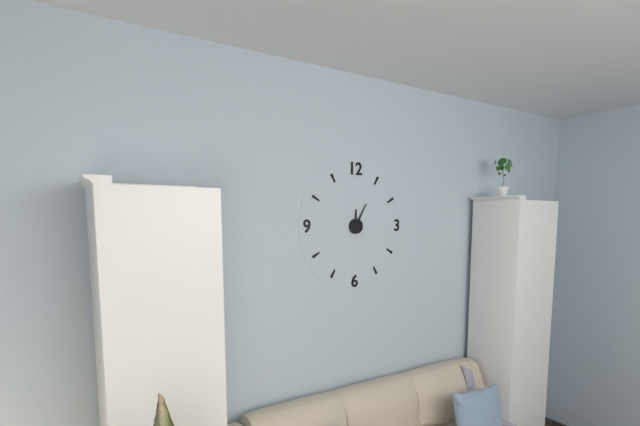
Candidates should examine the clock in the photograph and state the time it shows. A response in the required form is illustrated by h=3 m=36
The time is h=12 m=5
